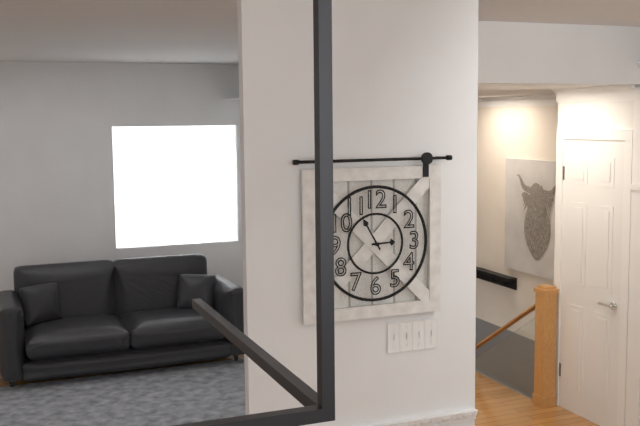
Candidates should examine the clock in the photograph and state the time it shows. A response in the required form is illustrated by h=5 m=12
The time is h=2 m=55
